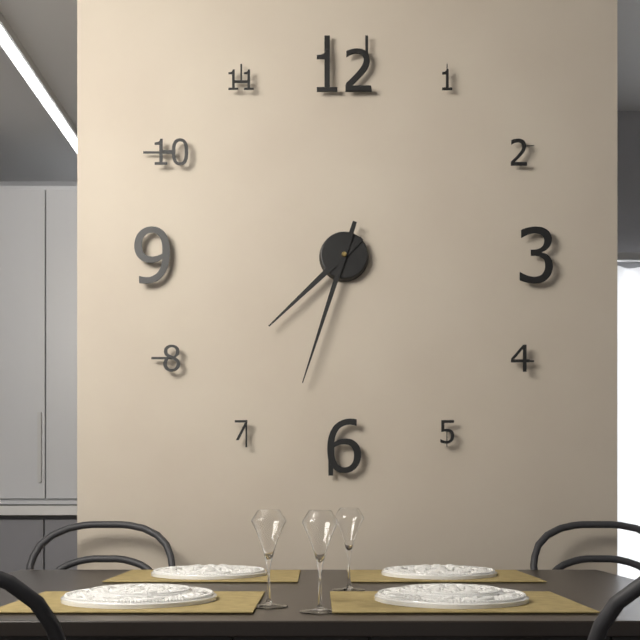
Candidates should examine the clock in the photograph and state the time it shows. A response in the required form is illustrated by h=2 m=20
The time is h=7 m=33
